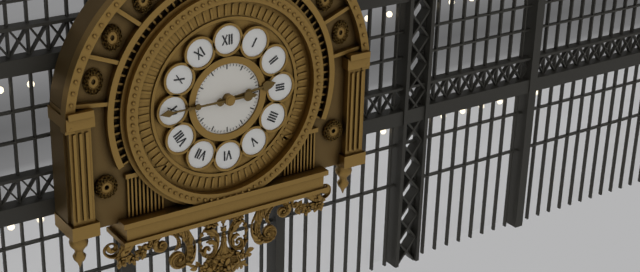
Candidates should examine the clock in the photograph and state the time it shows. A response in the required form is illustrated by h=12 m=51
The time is h=2 m=45
